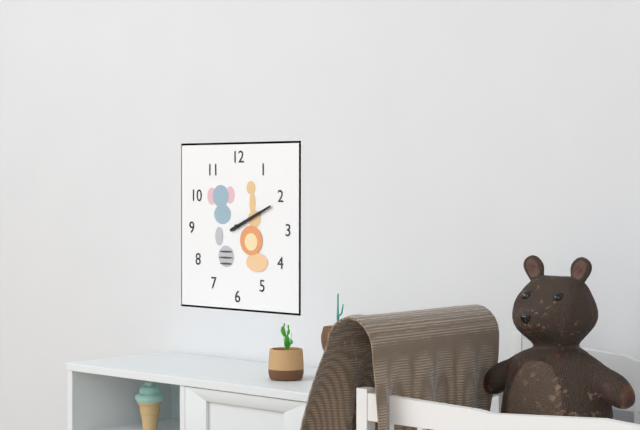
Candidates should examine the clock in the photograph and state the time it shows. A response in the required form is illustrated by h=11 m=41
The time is h=2 m=11
